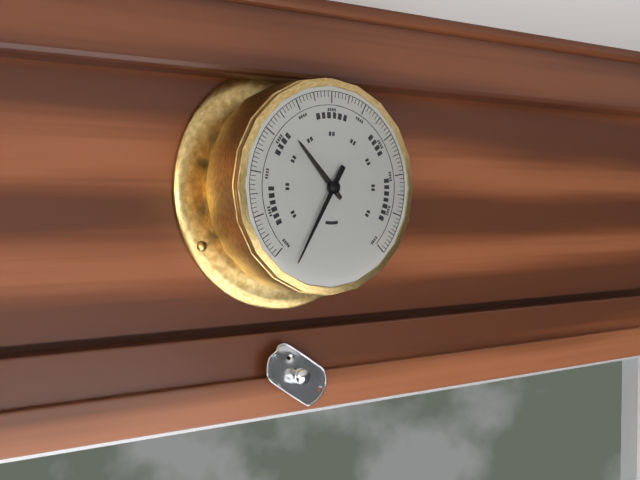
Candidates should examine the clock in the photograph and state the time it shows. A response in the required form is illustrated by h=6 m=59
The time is h=10 m=35
